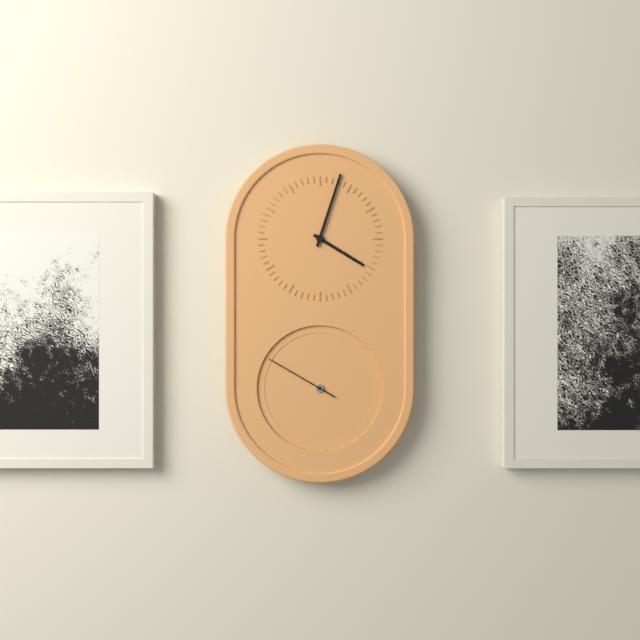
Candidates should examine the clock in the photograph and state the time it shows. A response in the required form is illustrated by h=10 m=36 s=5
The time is h=4 m=3 s=50
